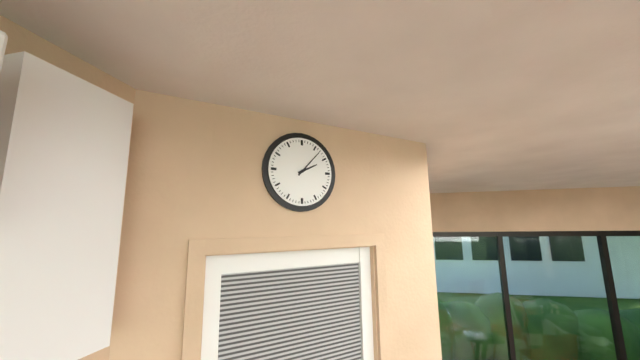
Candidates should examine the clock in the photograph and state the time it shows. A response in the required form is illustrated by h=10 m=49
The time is h=2 m=7
